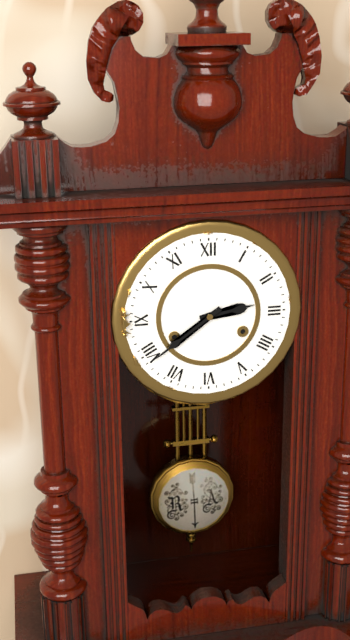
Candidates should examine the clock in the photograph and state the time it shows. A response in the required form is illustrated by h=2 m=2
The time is h=2 m=39
